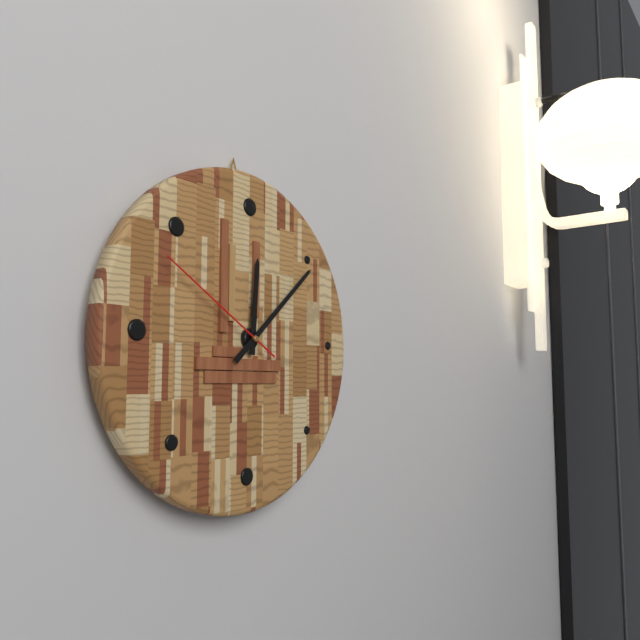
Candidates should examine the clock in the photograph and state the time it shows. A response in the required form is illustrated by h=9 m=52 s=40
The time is h=12 m=8 s=50
